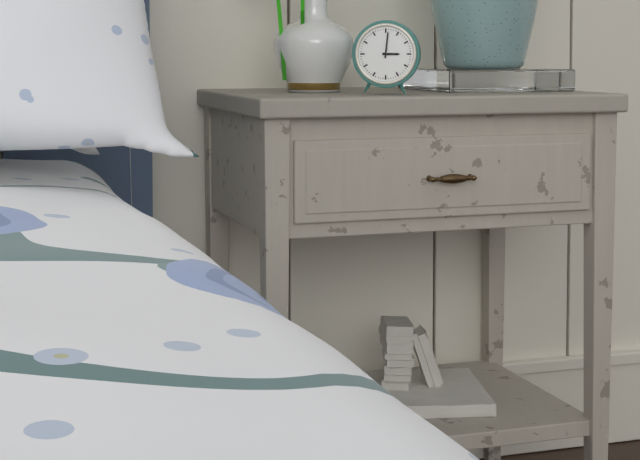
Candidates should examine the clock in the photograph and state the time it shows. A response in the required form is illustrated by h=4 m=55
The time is h=3 m=1
